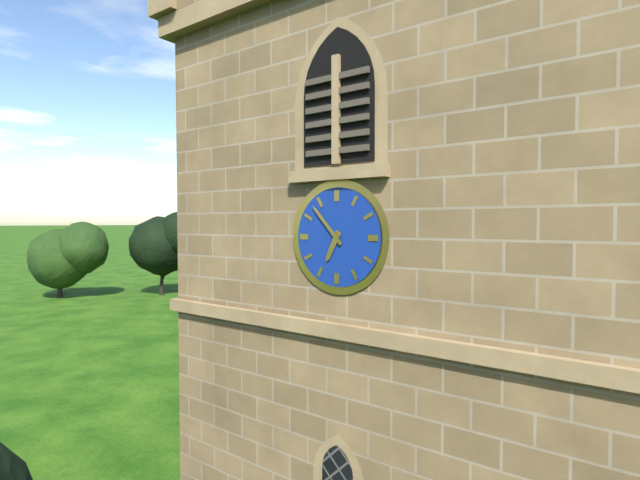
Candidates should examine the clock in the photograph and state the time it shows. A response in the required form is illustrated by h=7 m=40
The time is h=6 m=53
